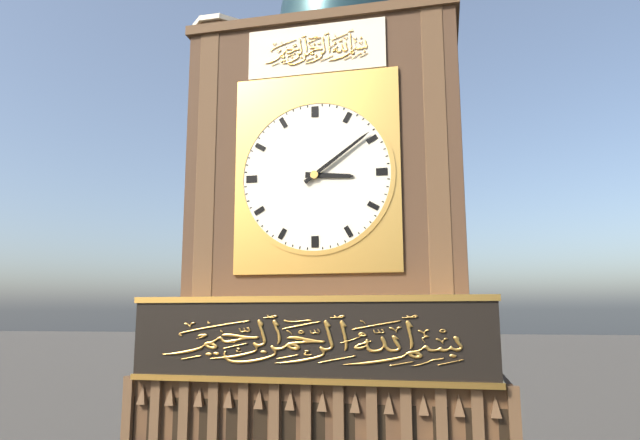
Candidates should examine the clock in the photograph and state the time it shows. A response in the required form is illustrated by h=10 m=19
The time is h=3 m=9
